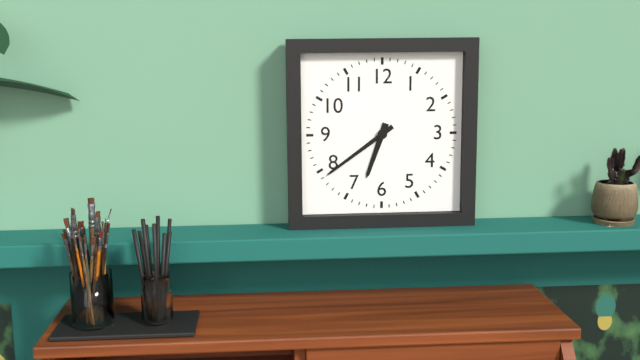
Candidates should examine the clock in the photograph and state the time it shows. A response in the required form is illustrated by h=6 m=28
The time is h=6 m=39
